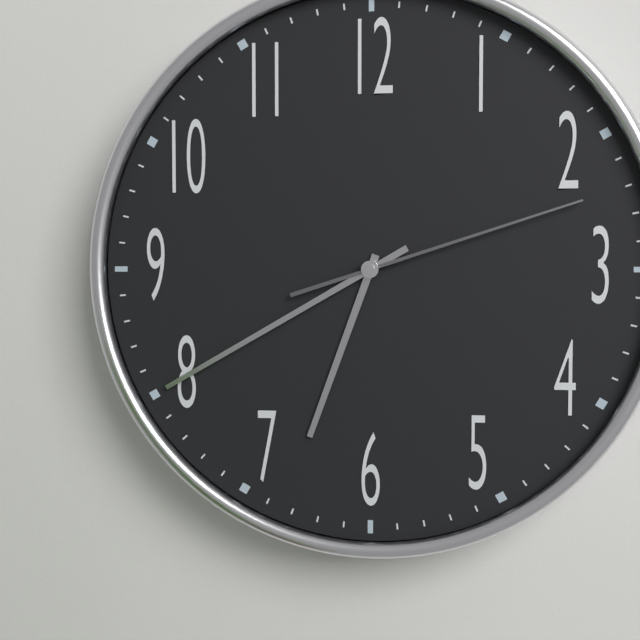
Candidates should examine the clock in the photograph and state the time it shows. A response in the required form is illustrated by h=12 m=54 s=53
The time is h=6 m=40 s=12
